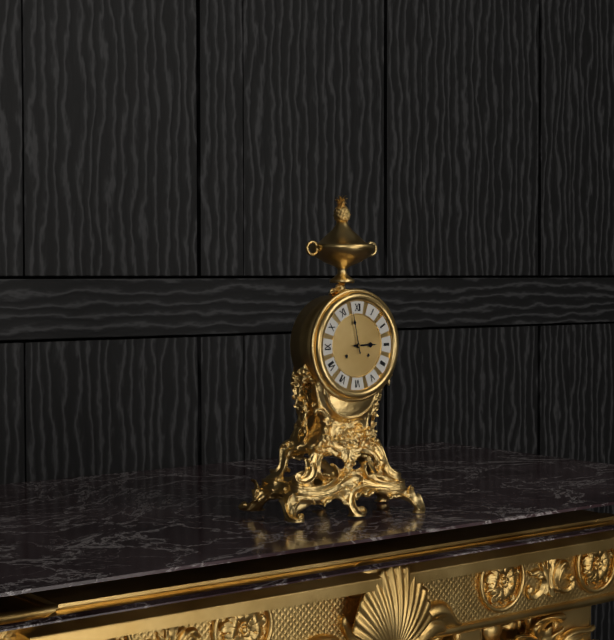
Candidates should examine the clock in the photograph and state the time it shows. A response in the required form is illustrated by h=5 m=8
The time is h=2 m=58
